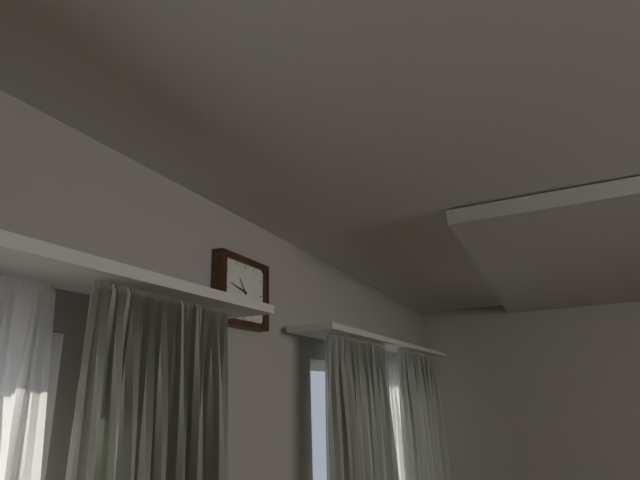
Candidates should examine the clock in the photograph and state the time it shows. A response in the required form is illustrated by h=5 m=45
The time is h=10 m=47
